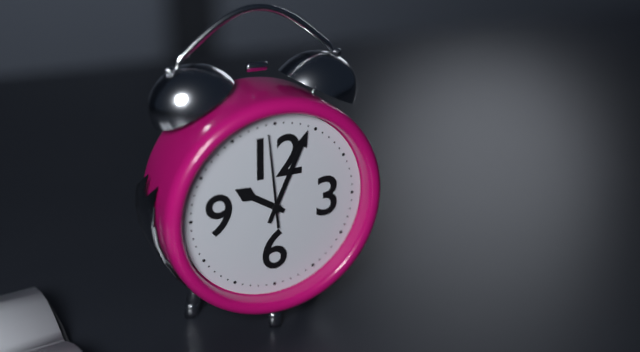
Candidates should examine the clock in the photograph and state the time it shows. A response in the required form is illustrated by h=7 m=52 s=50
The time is h=10 m=4 s=59
